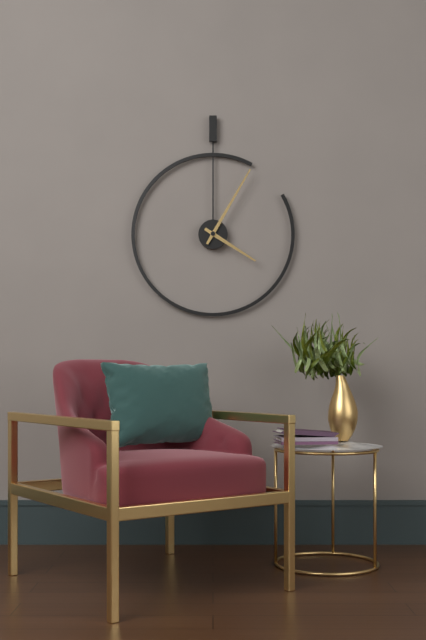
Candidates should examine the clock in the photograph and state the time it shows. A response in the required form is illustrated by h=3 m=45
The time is h=4 m=5
